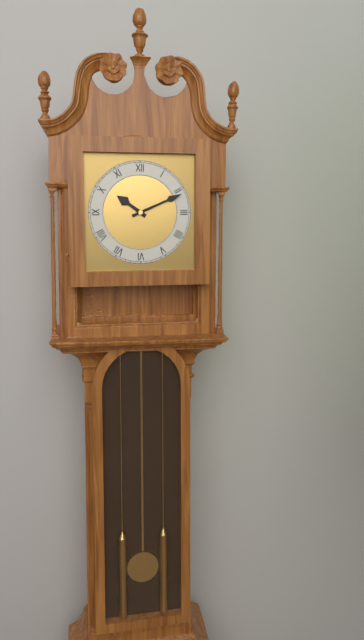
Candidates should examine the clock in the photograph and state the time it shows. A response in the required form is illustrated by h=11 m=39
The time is h=10 m=11
